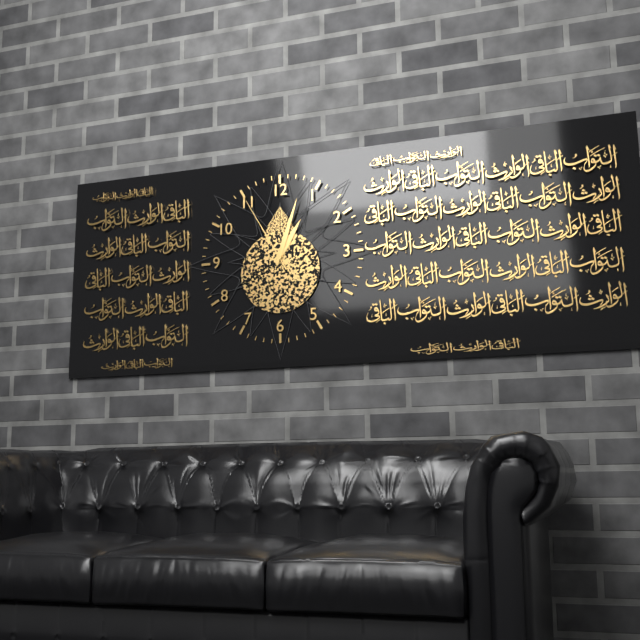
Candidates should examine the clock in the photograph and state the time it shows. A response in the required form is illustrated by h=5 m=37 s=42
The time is h=1 m=3 s=55
